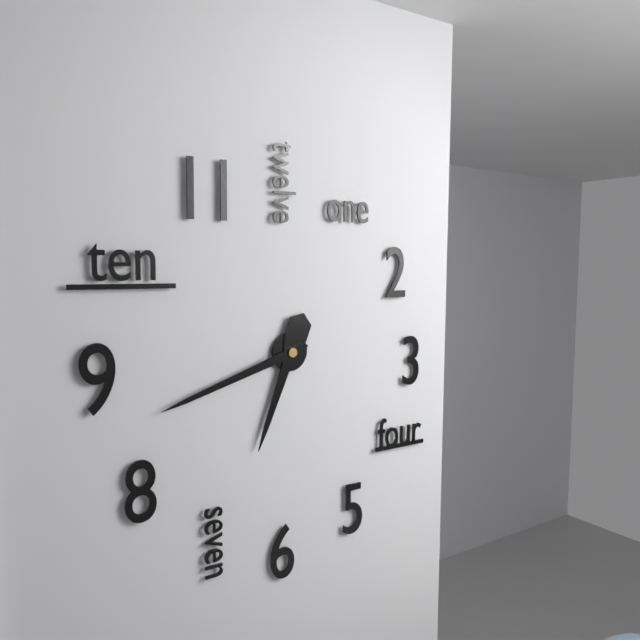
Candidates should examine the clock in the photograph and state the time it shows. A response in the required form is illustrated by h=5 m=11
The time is h=6 m=42
